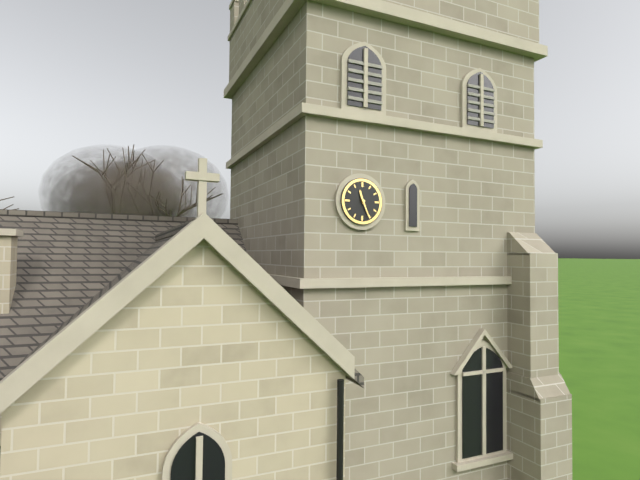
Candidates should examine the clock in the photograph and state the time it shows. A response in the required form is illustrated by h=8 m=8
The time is h=11 m=26
